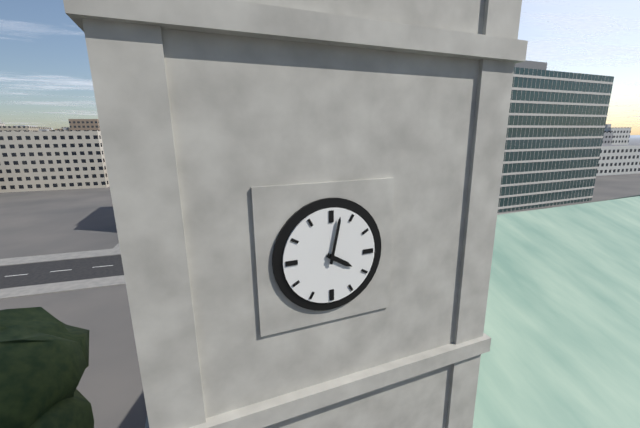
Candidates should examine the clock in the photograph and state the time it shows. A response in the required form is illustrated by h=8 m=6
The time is h=4 m=2
